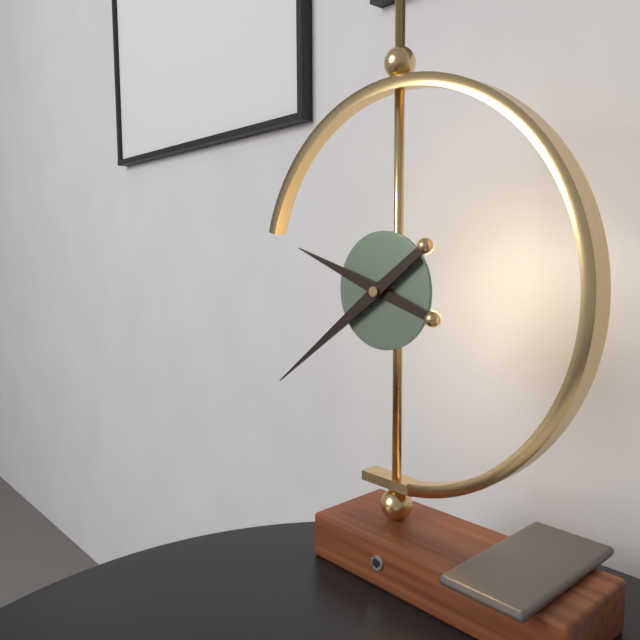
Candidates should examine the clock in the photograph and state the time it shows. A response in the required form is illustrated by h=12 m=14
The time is h=9 m=39
